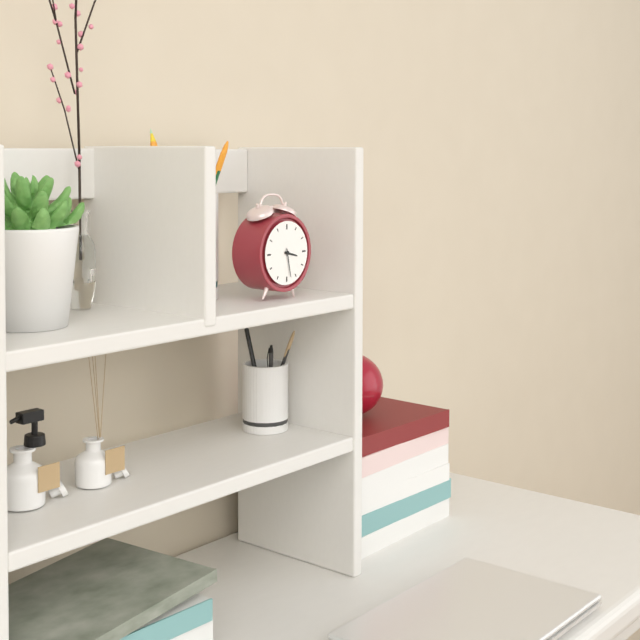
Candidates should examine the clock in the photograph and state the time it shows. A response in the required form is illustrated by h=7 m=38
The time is h=3 m=28
